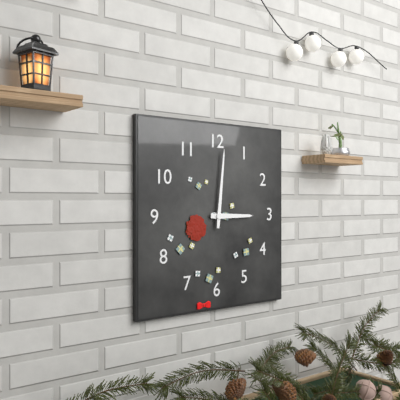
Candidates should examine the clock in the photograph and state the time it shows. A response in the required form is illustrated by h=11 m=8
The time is h=3 m=1
